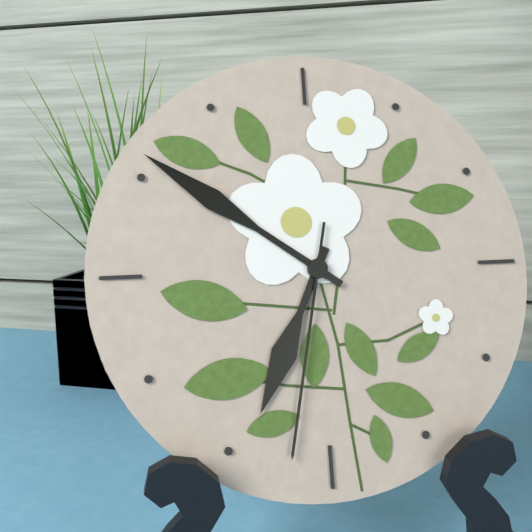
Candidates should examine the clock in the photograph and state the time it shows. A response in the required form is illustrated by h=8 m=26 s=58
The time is h=6 m=51 s=32
